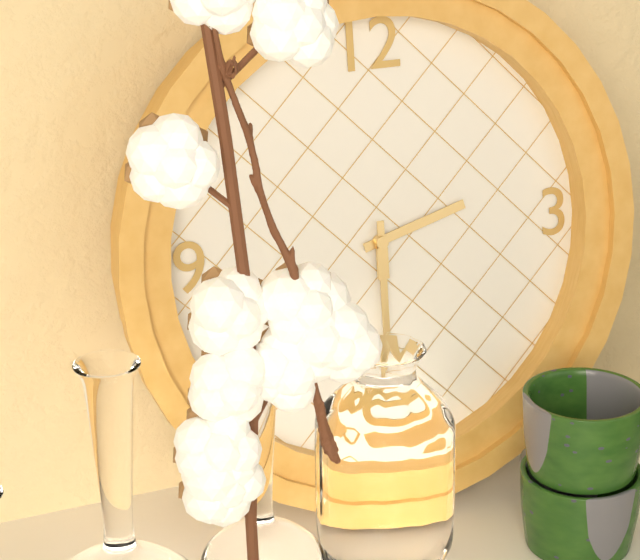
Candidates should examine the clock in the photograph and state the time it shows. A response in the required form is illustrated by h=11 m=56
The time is h=2 m=30
